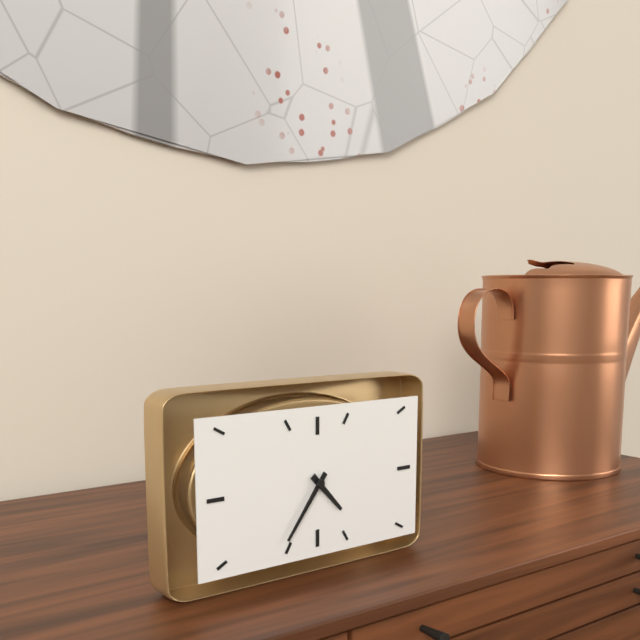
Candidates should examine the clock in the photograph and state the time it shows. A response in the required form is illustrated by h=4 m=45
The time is h=4 m=36
